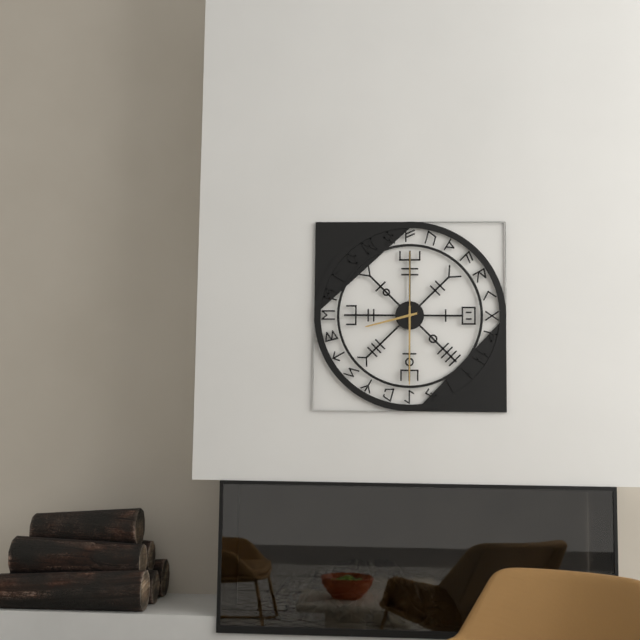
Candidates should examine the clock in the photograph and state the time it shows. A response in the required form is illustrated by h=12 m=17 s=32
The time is h=8 m=30 s=0
